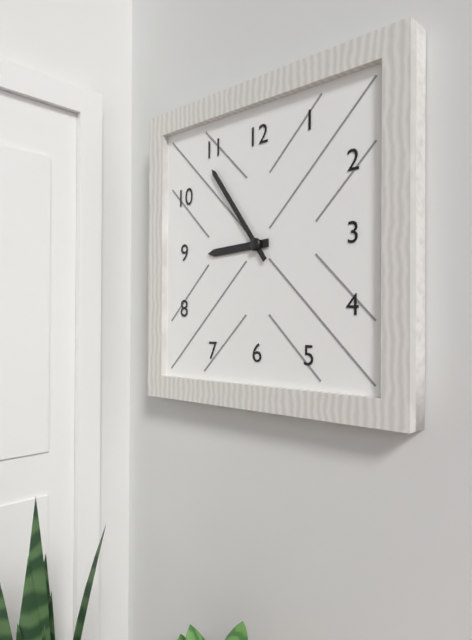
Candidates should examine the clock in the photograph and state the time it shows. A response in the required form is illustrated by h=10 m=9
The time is h=8 m=54
